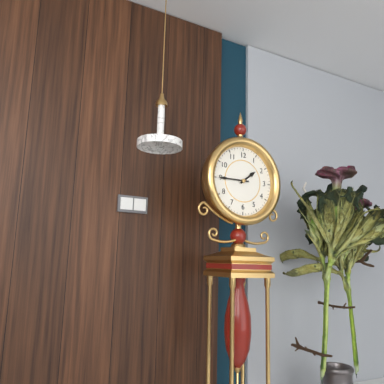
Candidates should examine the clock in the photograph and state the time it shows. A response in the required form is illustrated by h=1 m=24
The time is h=1 m=45
